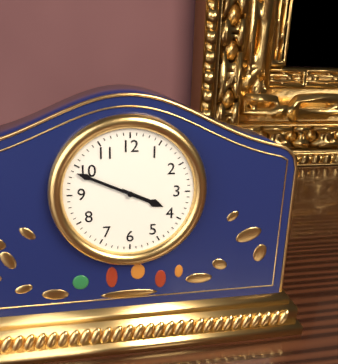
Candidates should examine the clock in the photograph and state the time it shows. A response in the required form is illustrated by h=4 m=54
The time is h=3 m=49
